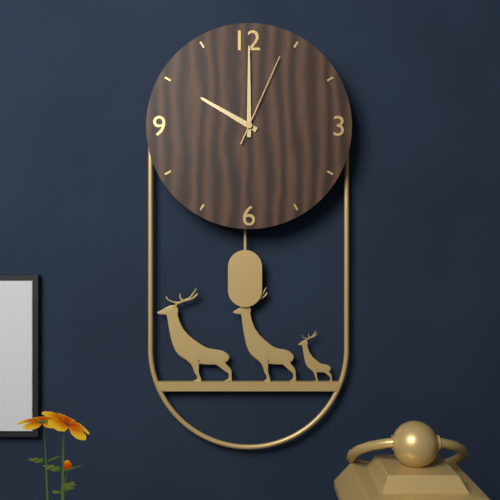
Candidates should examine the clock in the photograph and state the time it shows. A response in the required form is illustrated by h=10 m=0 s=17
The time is h=10 m=0 s=4
